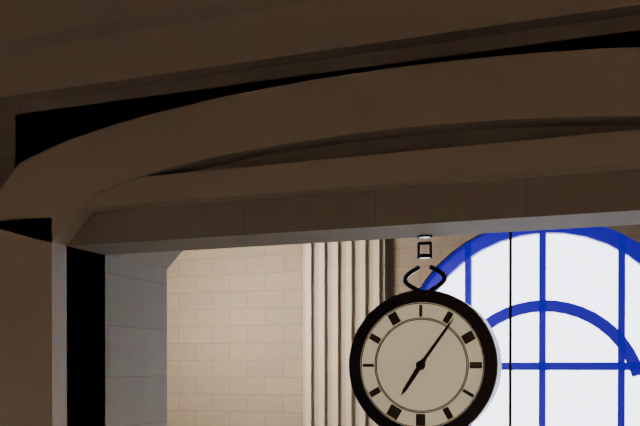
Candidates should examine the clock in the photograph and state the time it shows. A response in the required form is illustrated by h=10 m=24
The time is h=7 m=6
